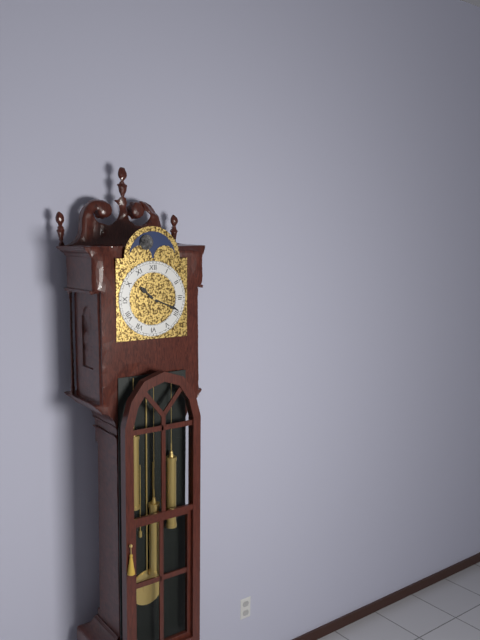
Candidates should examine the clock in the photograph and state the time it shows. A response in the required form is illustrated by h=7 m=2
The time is h=10 m=19
